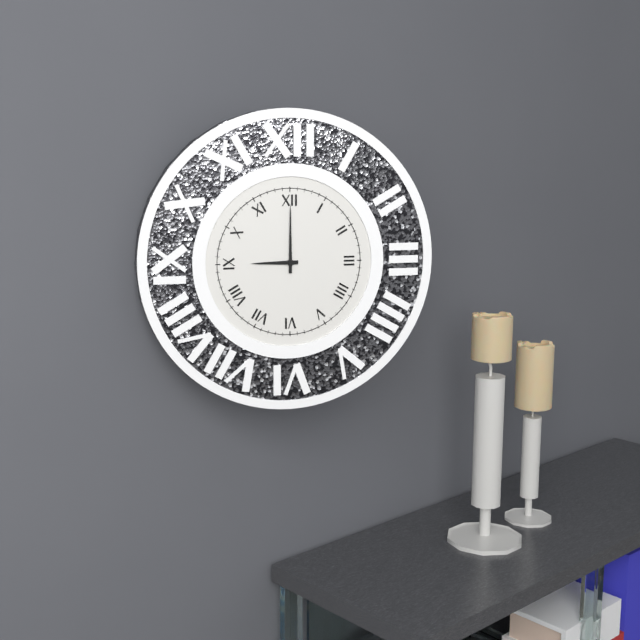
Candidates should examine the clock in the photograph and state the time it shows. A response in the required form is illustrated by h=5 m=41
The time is h=9 m=0
